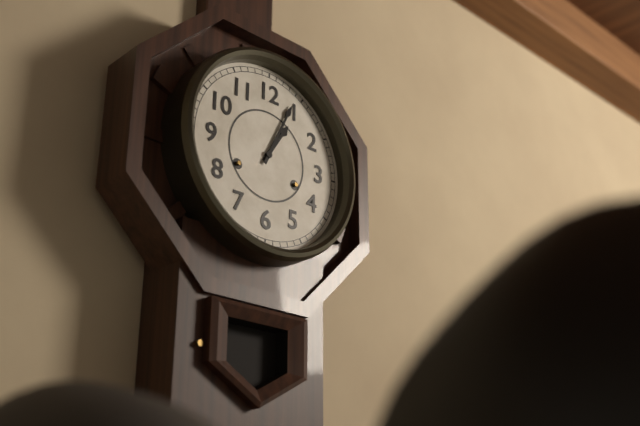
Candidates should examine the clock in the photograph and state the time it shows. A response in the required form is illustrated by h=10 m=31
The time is h=1 m=4
